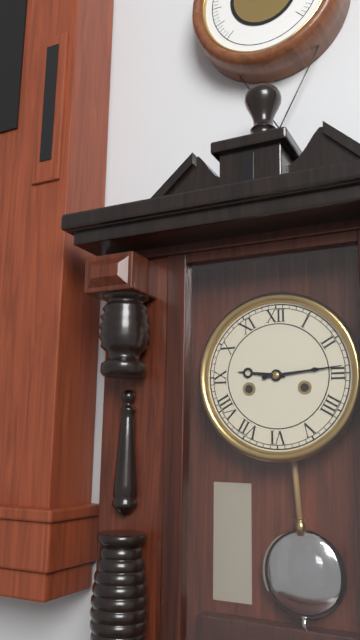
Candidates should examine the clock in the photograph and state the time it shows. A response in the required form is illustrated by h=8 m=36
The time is h=9 m=14
